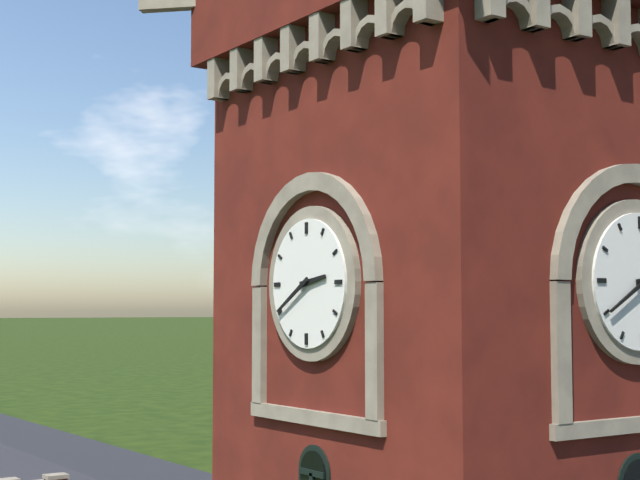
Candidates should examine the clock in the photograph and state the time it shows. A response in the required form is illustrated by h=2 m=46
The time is h=2 m=40
